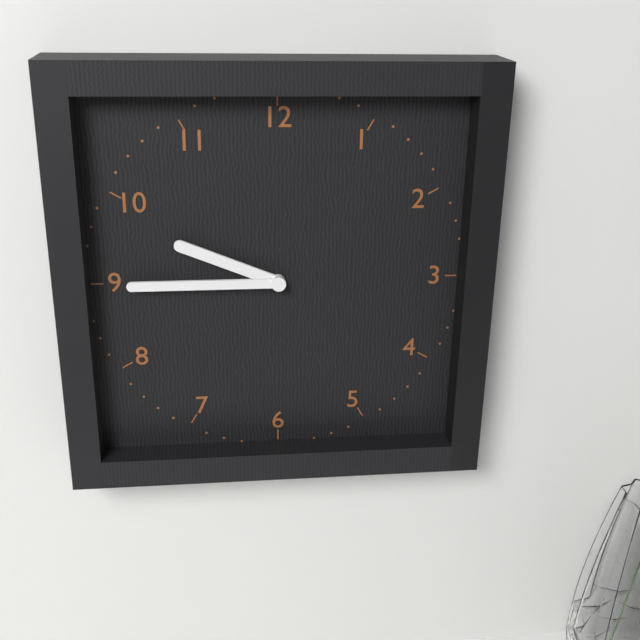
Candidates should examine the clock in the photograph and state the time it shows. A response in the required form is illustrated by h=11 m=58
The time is h=9 m=45
